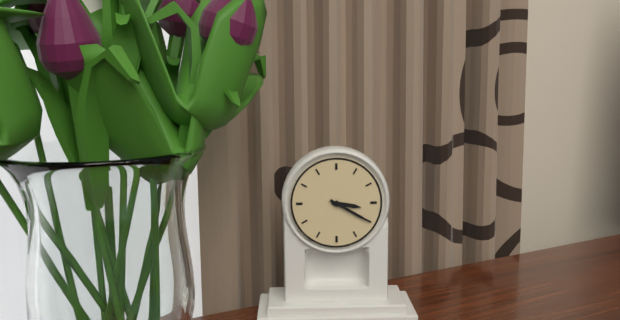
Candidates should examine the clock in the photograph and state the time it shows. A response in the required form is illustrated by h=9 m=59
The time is h=3 m=20
